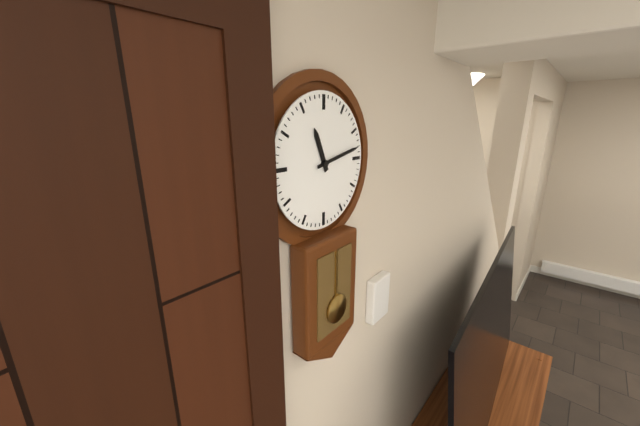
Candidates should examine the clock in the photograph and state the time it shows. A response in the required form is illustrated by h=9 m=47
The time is h=11 m=13
